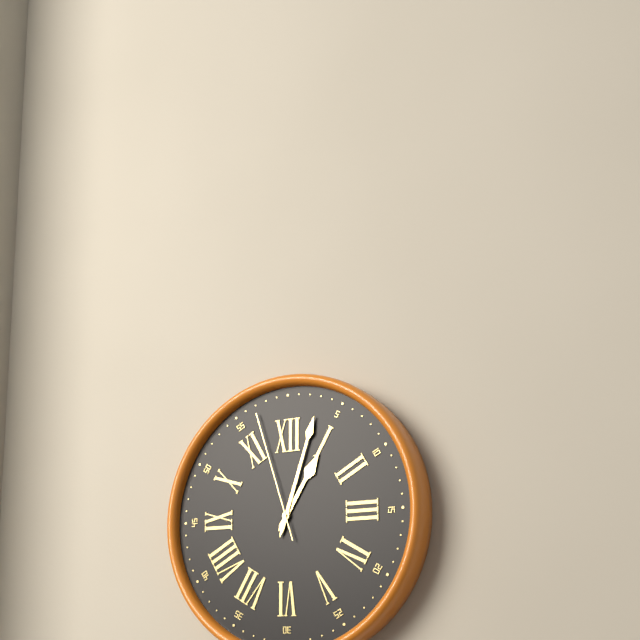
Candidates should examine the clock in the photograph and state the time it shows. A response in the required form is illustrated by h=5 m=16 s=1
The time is h=1 m=3 s=57
